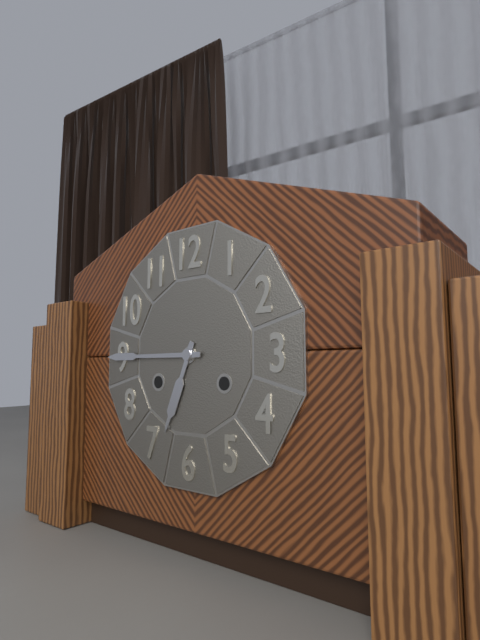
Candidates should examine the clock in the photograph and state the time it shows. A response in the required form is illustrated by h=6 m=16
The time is h=6 m=45
